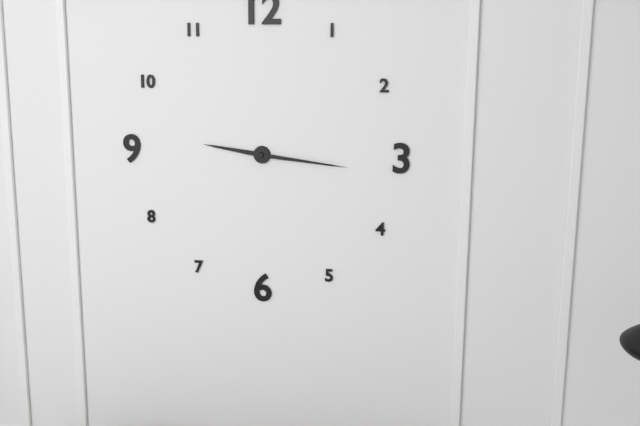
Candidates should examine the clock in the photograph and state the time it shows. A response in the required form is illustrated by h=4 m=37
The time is h=9 m=16
